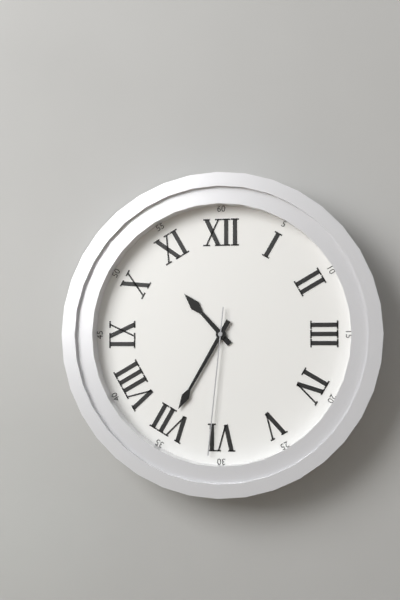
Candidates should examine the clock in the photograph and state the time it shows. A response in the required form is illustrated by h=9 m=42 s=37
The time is h=10 m=35 s=31
